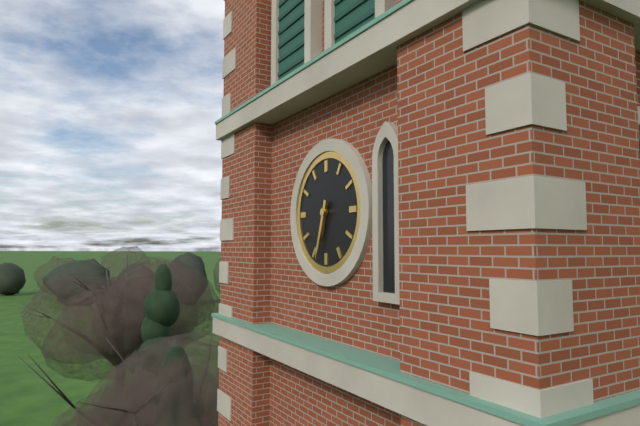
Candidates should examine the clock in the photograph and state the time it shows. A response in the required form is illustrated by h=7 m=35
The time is h=6 m=33
